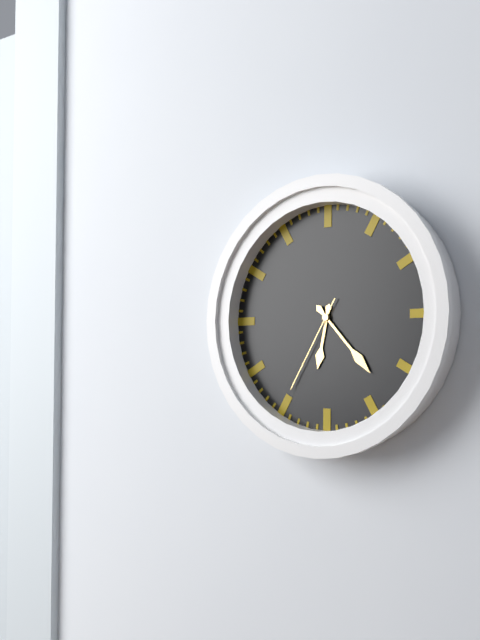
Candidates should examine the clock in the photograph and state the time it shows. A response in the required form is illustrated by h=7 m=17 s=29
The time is h=6 m=23 s=35
